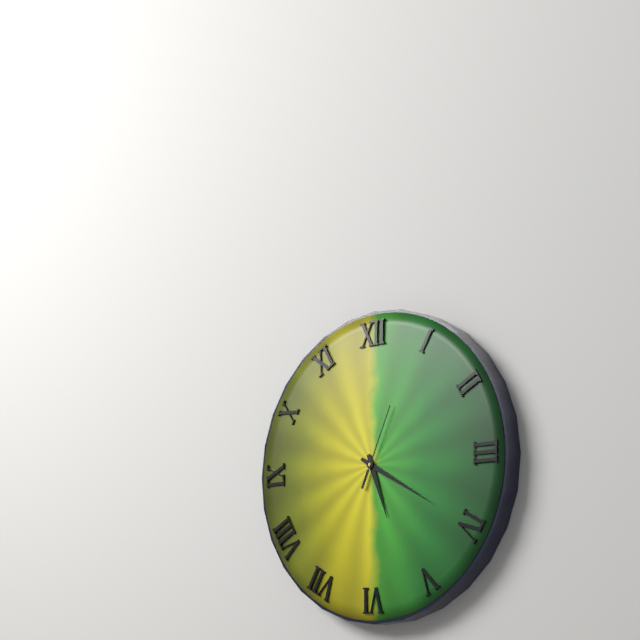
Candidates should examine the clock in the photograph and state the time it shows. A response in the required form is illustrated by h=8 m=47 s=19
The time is h=5 m=20 s=4
